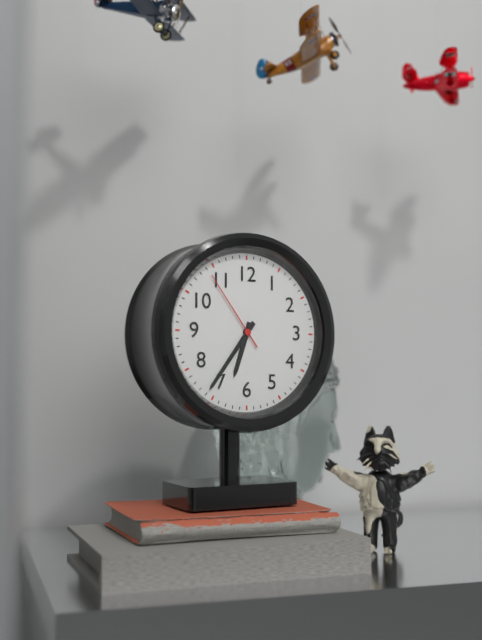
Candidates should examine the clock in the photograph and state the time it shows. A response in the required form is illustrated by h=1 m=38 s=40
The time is h=6 m=36 s=54
